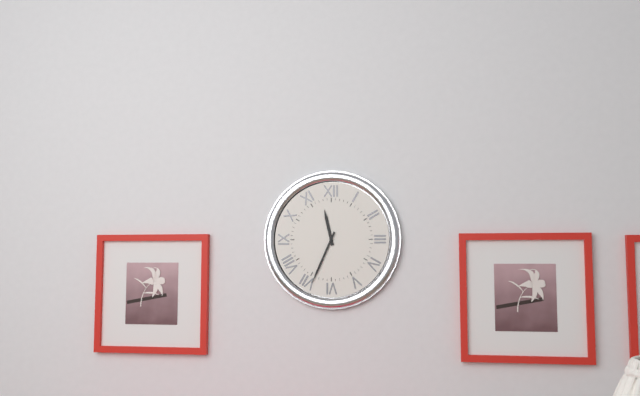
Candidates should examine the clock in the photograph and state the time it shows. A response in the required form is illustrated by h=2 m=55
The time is h=11 m=34
